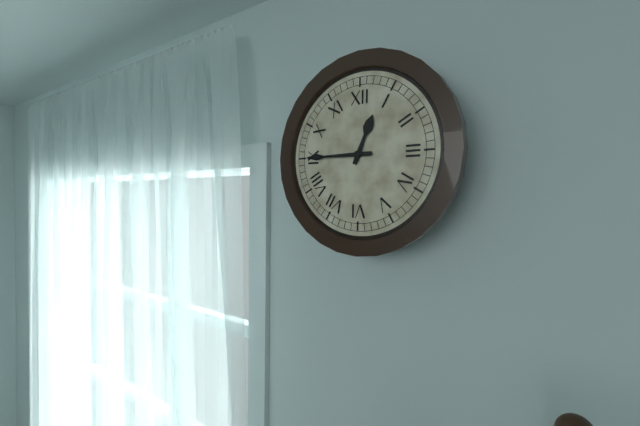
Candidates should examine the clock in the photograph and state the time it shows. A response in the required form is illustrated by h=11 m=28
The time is h=12 m=45
